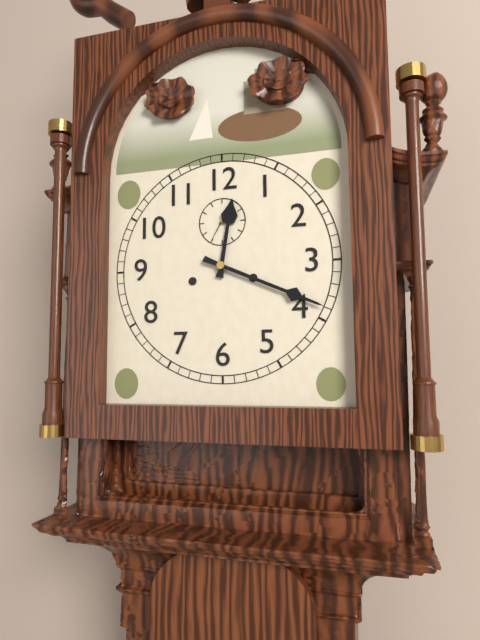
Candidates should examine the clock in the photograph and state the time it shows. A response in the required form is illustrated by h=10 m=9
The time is h=12 m=19
